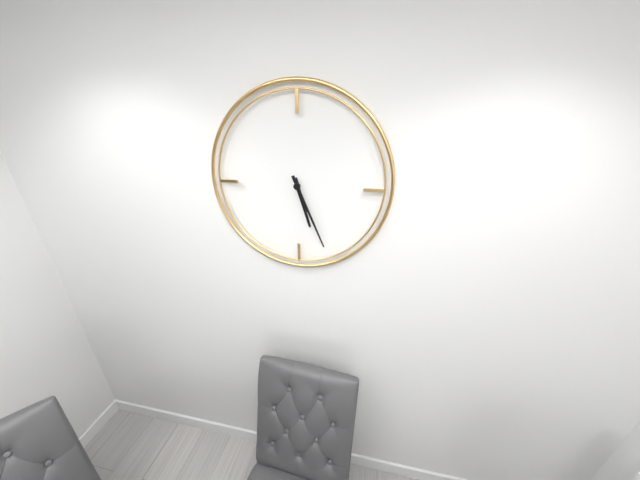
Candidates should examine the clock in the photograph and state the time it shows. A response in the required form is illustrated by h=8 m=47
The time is h=5 m=26
